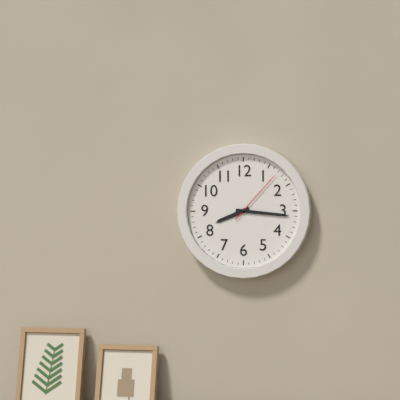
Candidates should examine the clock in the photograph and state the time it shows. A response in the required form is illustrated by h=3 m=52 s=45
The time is h=8 m=16 s=7
